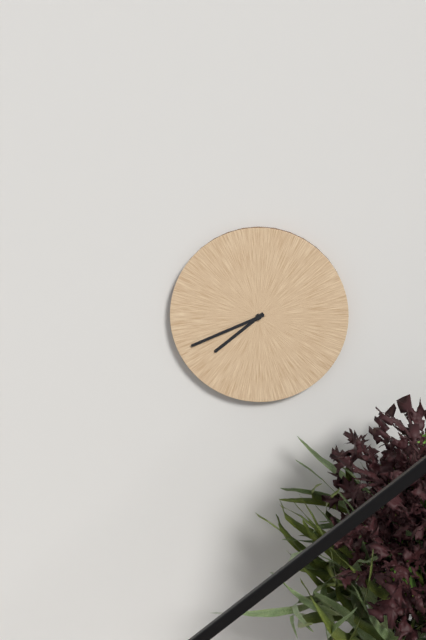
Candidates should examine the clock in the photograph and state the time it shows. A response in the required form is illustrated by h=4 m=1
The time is h=7 m=41
